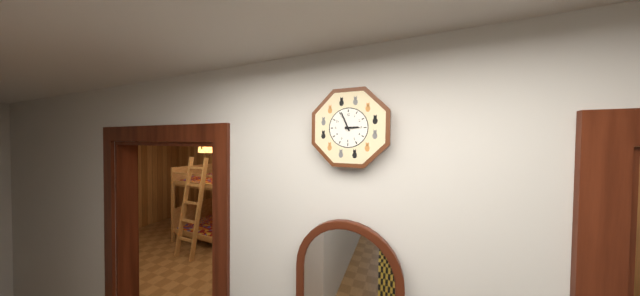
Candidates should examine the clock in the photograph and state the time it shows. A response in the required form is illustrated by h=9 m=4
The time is h=2 m=56
